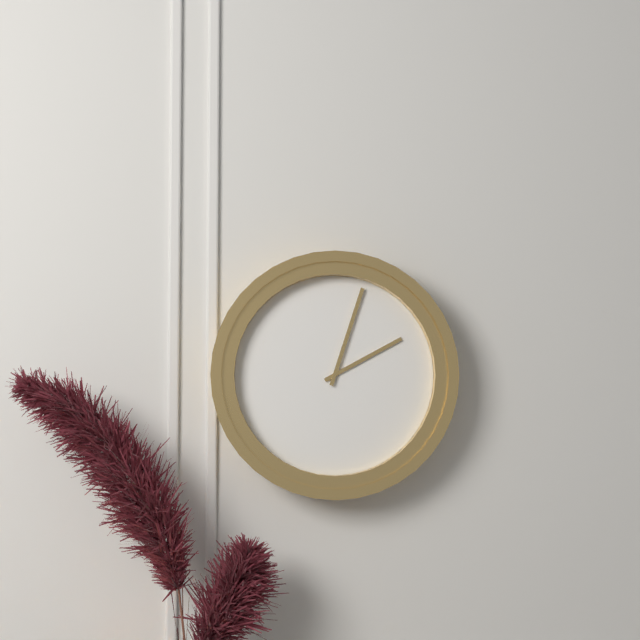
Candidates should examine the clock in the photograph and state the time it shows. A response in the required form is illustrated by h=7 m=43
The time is h=2 m=3
